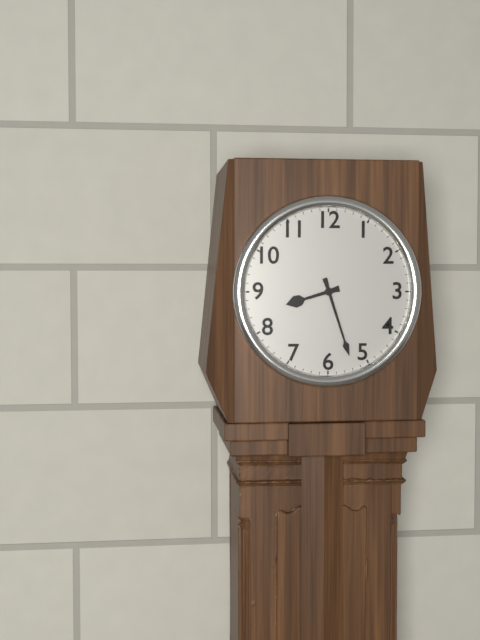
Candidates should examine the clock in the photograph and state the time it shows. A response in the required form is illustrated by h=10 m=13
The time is h=8 m=27
